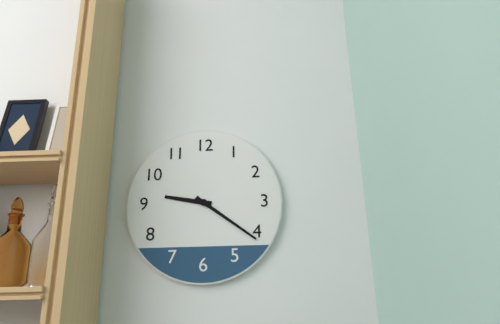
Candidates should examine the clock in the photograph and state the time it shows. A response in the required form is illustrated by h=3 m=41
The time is h=9 m=21
